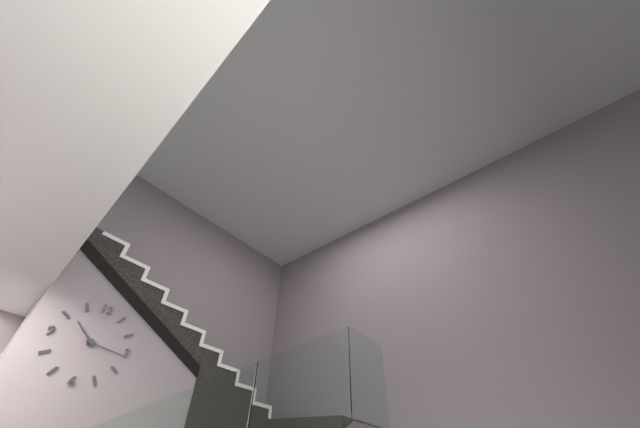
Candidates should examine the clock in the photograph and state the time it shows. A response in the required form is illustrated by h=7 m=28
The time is h=10 m=16
